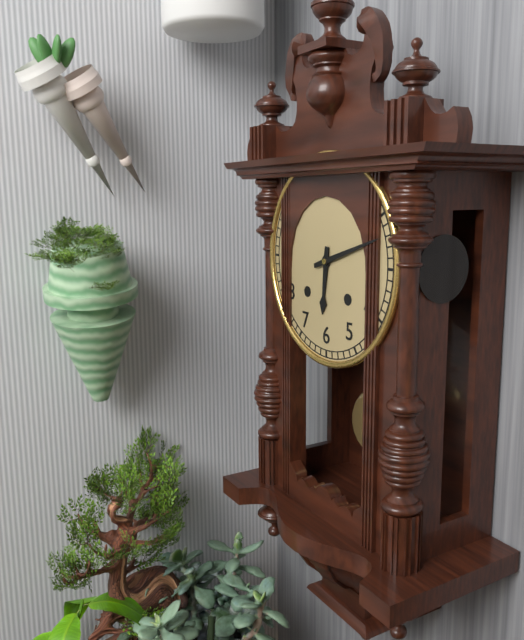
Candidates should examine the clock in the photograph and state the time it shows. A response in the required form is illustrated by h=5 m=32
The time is h=6 m=12
